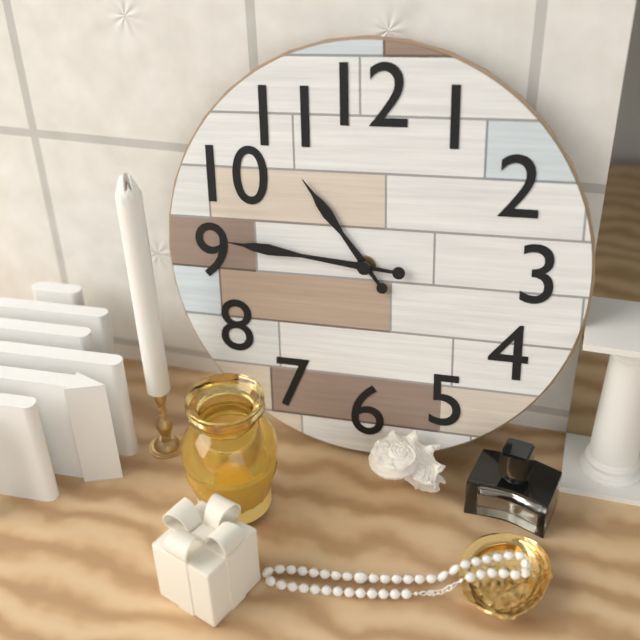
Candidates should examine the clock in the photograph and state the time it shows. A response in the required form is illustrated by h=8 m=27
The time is h=10 m=46
